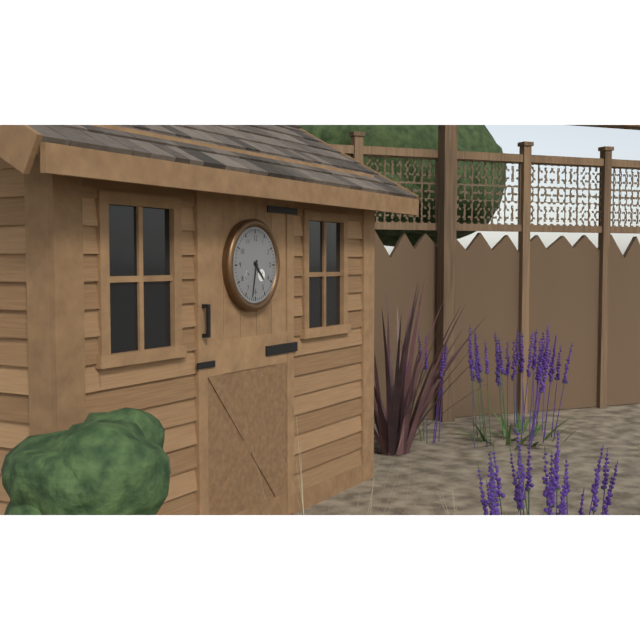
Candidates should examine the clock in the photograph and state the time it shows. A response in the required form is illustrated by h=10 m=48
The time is h=4 m=32
